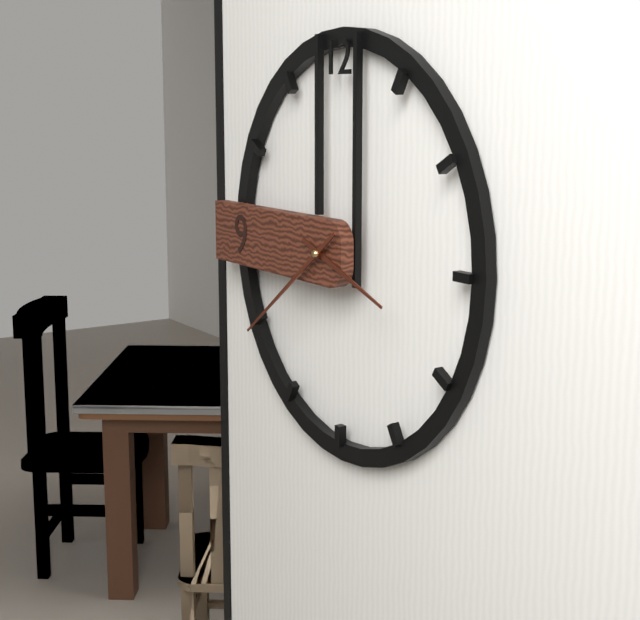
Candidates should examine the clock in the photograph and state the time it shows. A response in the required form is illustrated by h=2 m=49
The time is h=3 m=39
